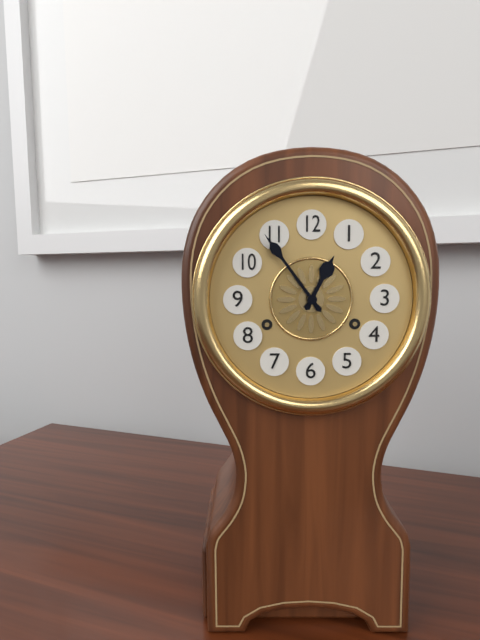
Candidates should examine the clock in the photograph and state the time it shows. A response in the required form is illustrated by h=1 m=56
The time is h=12 m=54
